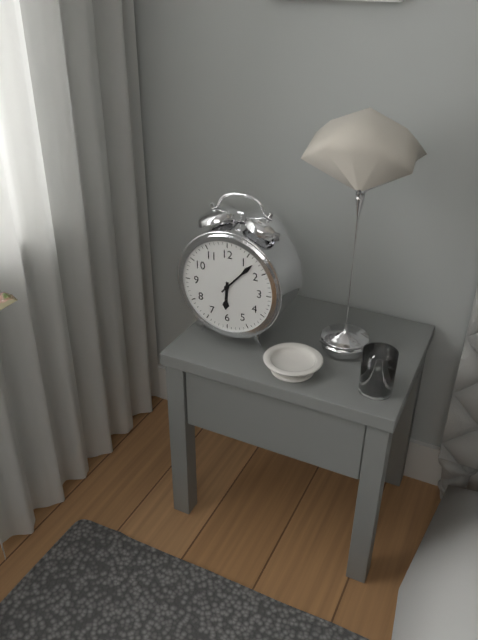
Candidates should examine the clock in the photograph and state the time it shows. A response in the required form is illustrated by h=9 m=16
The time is h=6 m=7
